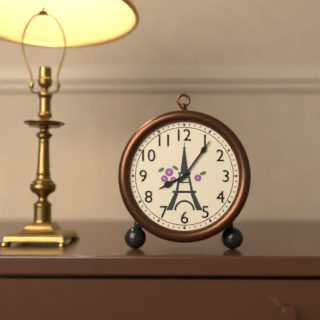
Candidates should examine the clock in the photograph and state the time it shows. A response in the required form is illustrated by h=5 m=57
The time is h=8 m=6
